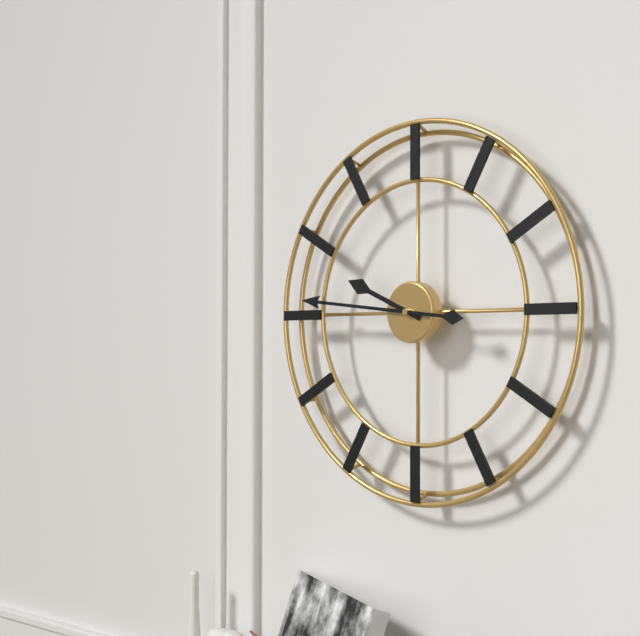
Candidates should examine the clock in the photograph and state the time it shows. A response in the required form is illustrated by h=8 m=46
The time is h=9 m=46
